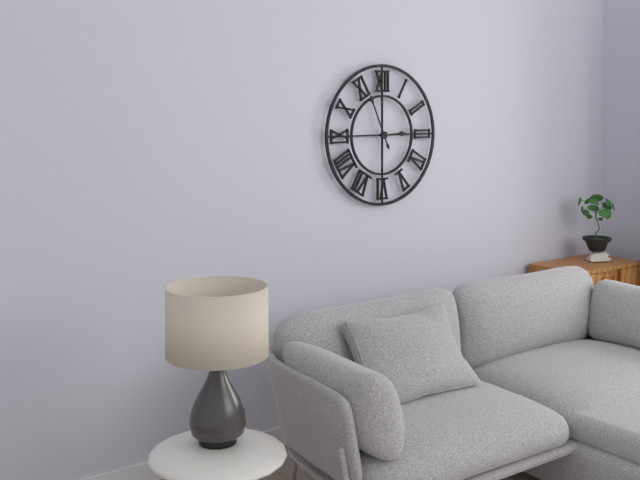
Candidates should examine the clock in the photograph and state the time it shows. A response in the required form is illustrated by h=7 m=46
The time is h=2 m=56
